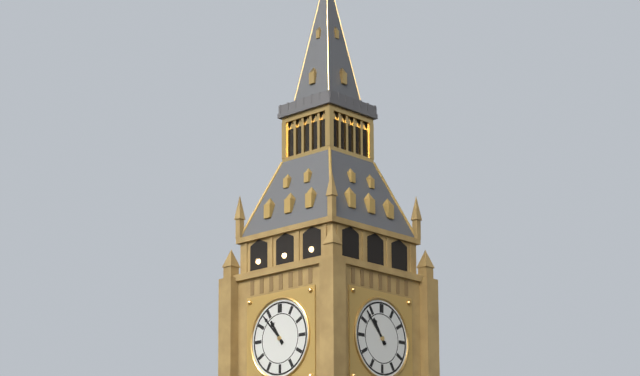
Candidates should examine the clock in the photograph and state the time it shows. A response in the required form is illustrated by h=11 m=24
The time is h=10 m=53
